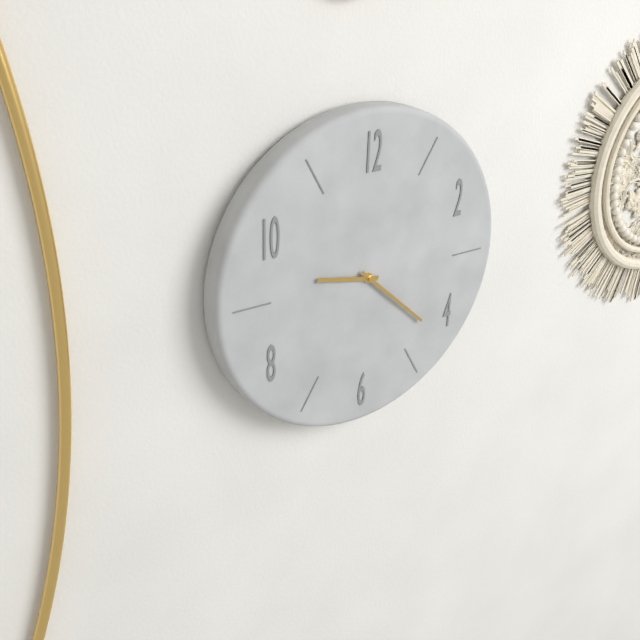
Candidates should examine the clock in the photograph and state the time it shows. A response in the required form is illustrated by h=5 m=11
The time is h=9 m=22
